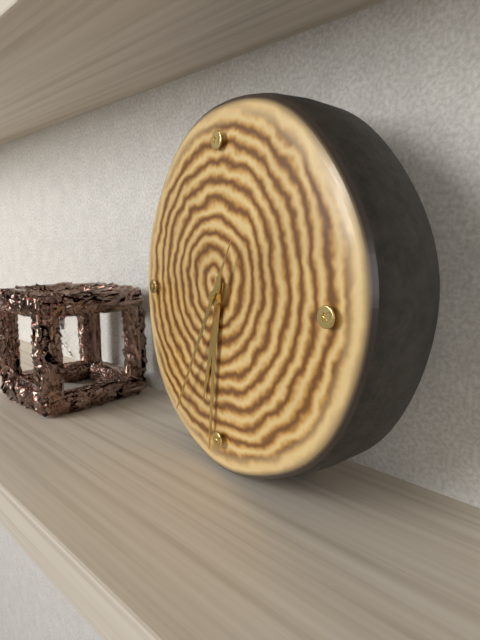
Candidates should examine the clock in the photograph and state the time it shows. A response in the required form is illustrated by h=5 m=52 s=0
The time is h=6 m=31 s=35
